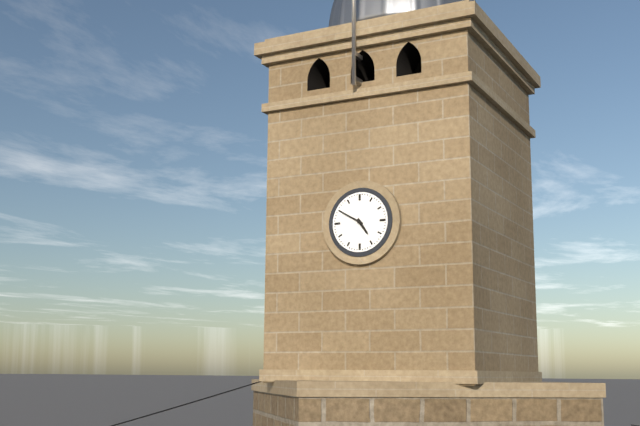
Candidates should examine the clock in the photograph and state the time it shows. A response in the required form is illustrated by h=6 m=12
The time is h=4 m=50
